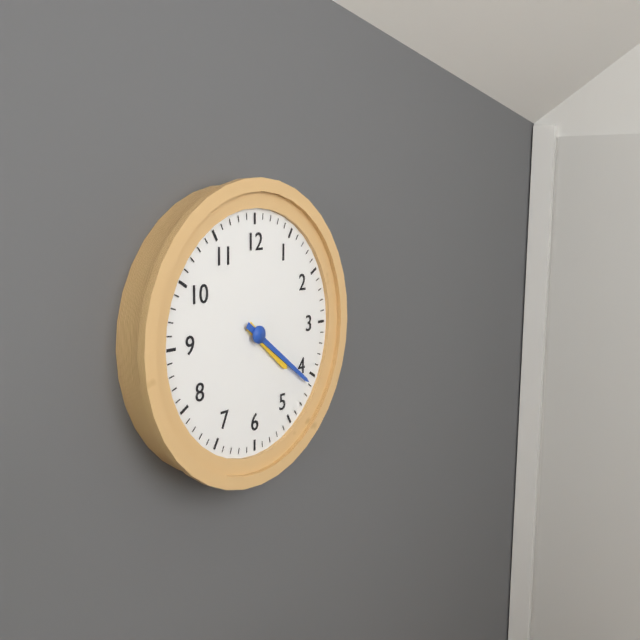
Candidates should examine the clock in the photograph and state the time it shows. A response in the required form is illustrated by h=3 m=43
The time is h=4 m=21
